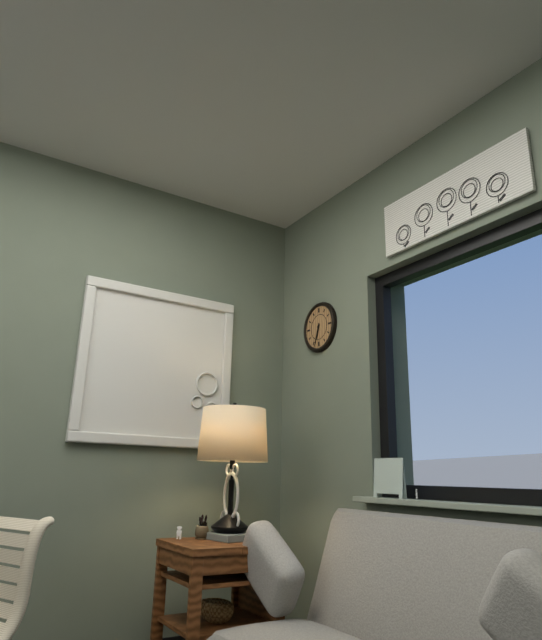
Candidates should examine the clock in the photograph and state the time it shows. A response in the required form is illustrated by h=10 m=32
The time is h=6 m=33
